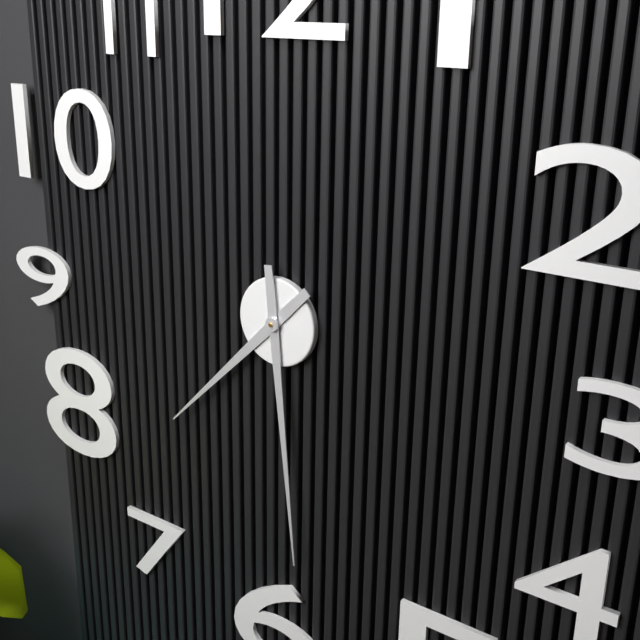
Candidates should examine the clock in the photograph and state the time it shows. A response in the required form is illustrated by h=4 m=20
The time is h=7 m=29
